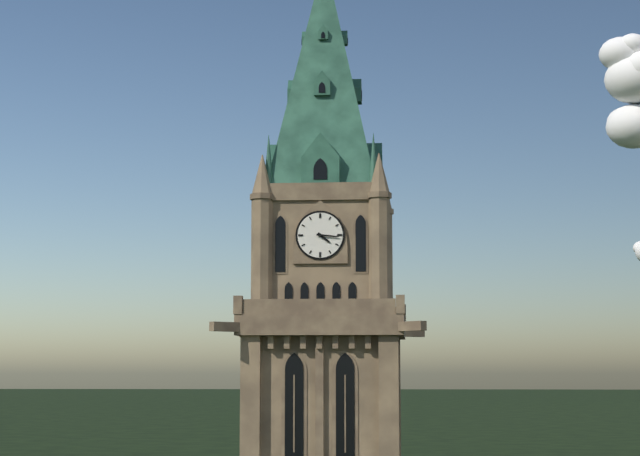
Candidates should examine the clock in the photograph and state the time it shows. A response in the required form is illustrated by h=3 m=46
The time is h=4 m=16
